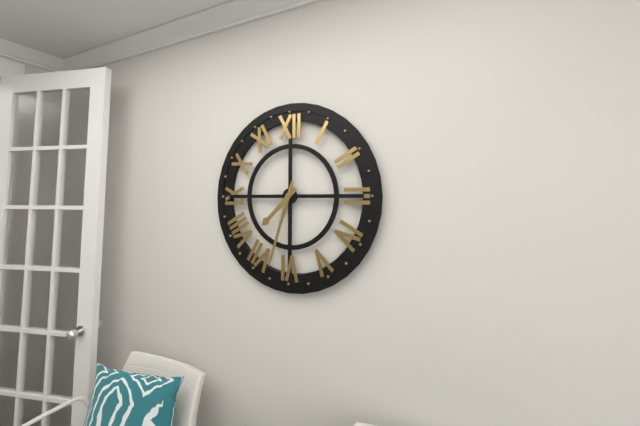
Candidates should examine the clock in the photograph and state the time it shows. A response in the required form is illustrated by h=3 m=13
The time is h=7 m=33
